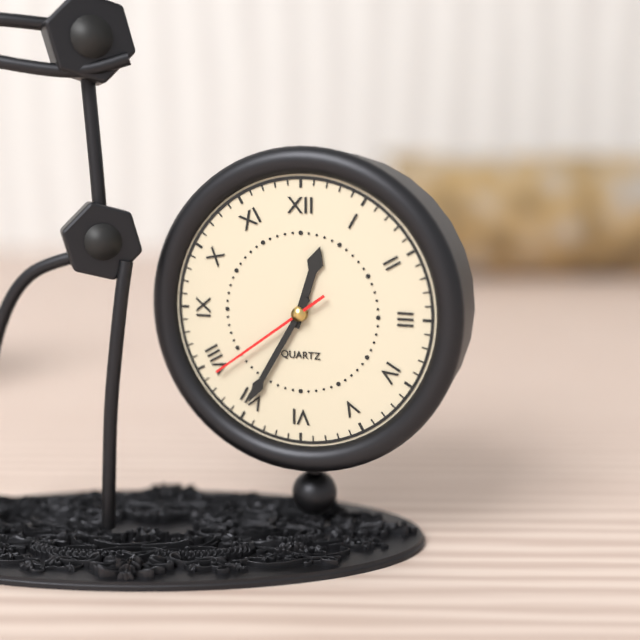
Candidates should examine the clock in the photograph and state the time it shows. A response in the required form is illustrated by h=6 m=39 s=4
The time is h=12 m=35 s=39
